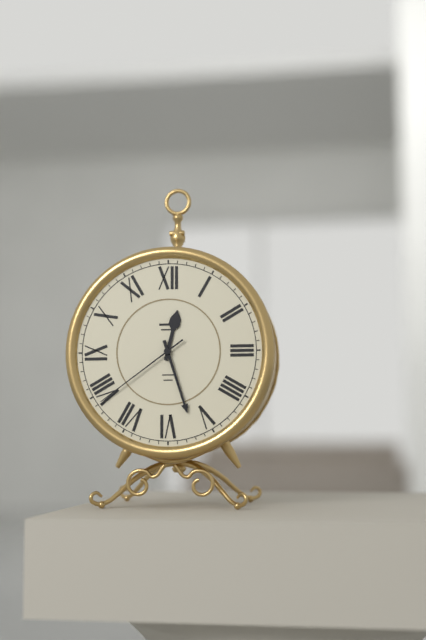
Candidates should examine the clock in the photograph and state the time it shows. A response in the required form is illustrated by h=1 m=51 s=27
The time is h=12 m=27 s=39
